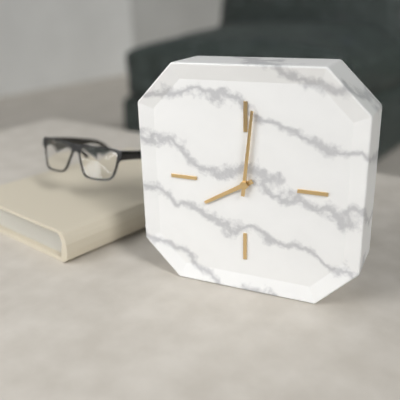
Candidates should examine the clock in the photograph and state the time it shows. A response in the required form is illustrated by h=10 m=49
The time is h=8 m=1
